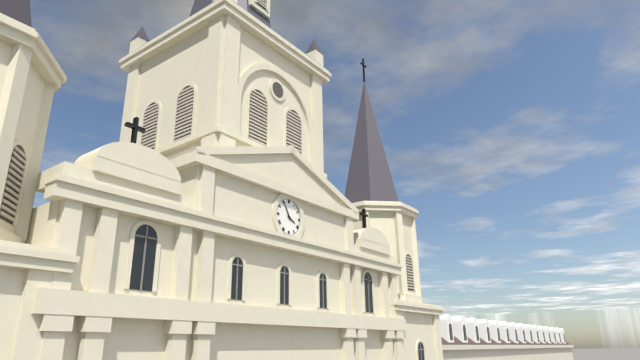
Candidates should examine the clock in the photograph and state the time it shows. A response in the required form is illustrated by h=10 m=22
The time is h=3 m=55
